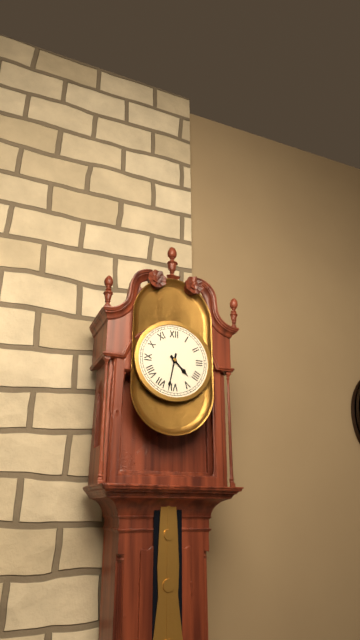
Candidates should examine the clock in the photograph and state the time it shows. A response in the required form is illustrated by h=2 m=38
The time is h=4 m=32
